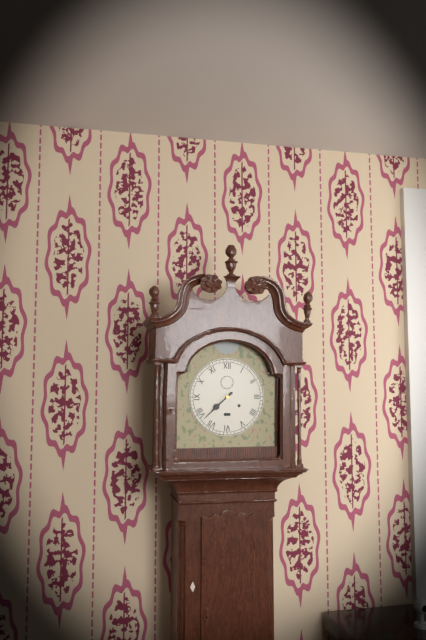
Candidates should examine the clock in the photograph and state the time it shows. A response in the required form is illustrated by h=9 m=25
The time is h=7 m=38
